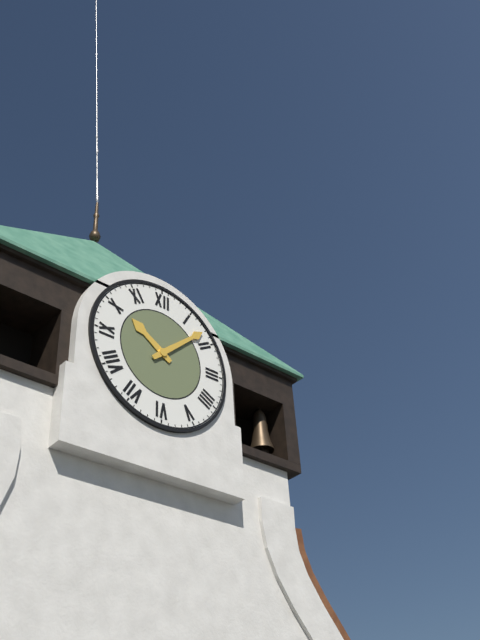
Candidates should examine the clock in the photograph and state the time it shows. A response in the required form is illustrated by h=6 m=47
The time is h=10 m=8
